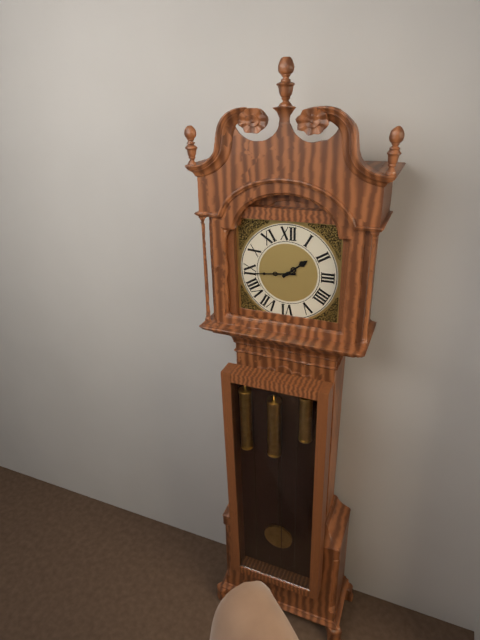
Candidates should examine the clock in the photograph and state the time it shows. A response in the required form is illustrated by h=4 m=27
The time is h=1 m=44
